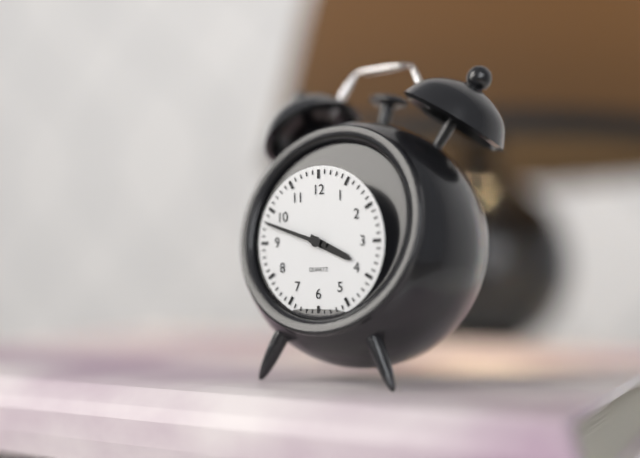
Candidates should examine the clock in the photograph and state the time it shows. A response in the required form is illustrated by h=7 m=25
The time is h=3 m=48
